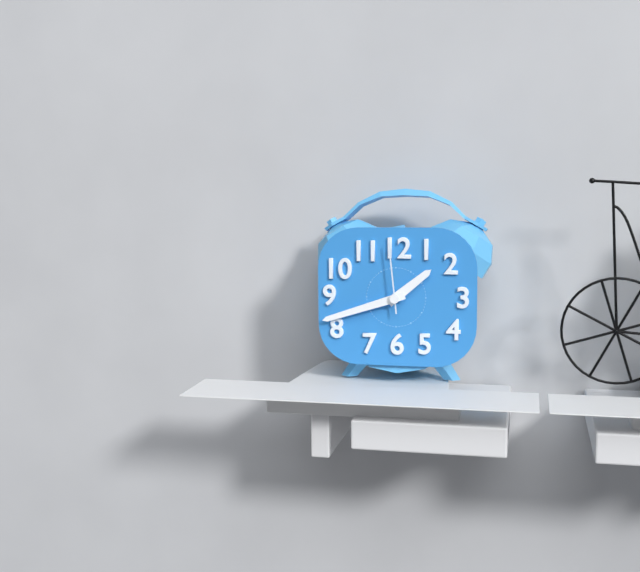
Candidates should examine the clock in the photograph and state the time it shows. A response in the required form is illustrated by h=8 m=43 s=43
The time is h=1 m=42 s=59
